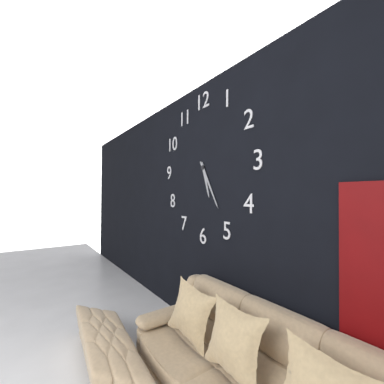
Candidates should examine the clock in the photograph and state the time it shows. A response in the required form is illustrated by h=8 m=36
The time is h=5 m=25
